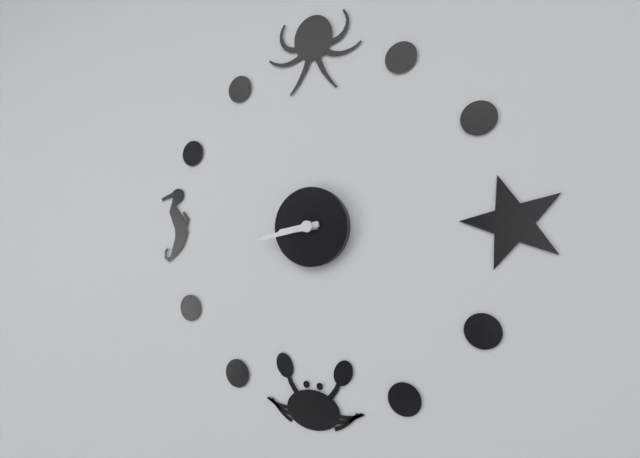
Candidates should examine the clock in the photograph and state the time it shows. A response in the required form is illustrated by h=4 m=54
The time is h=8 m=43
